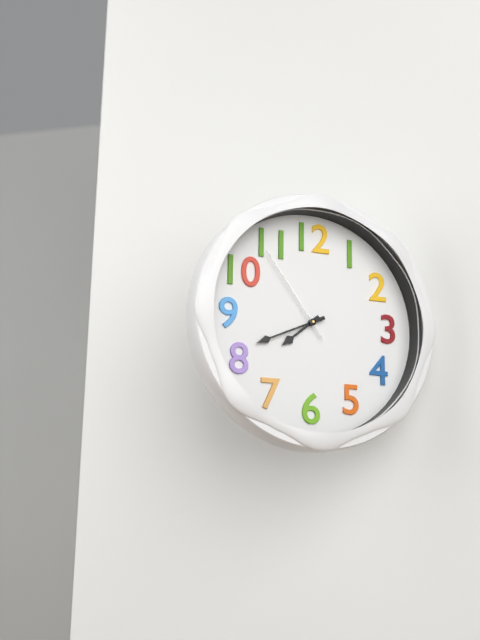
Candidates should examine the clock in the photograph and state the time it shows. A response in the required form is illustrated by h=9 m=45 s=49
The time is h=7 m=41 s=54
